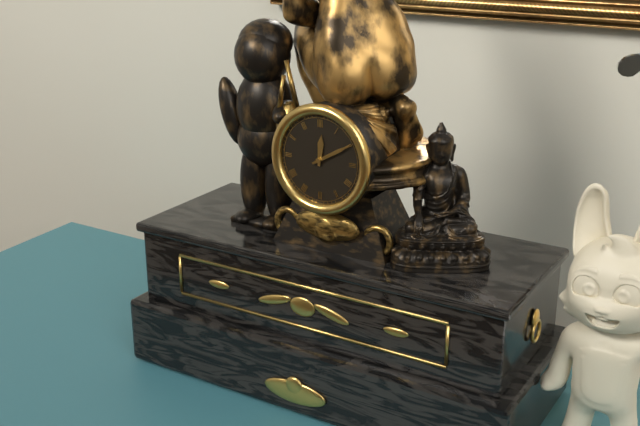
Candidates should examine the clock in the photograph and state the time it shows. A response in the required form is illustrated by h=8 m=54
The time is h=12 m=10
